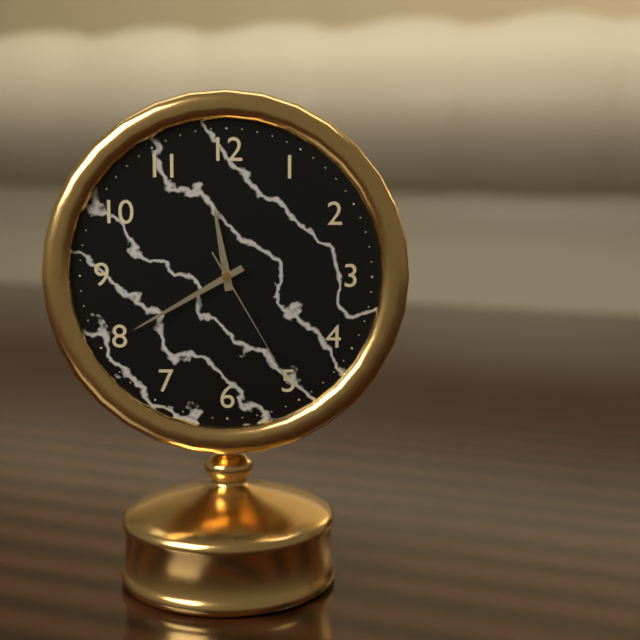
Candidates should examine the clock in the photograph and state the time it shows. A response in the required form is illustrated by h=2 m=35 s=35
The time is h=11 m=40 s=25
